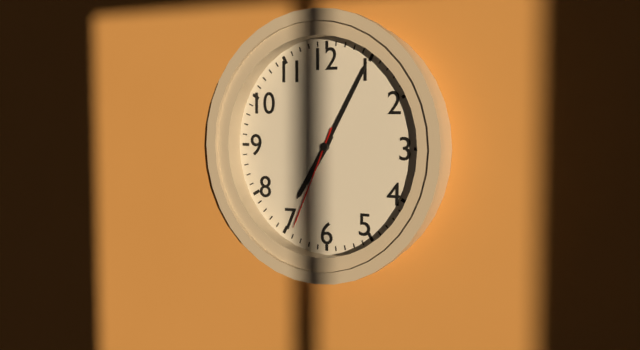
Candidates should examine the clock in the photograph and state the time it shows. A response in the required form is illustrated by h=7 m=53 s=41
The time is h=7 m=5 s=34
